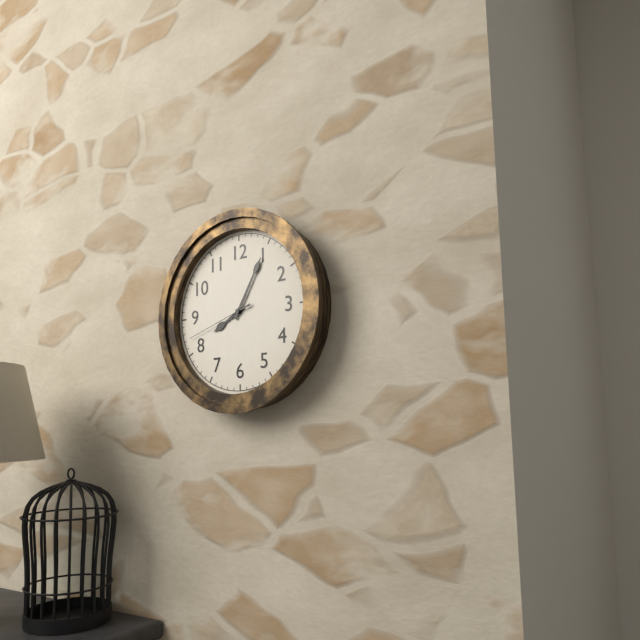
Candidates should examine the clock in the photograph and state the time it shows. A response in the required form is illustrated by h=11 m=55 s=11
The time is h=8 m=5 s=42
